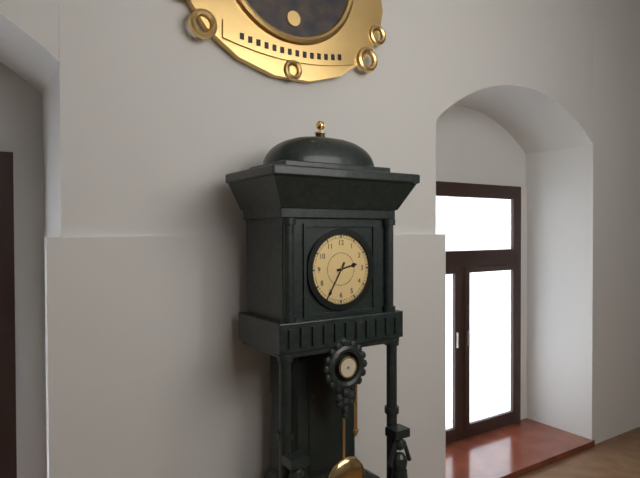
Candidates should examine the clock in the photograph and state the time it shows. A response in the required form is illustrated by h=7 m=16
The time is h=2 m=35
